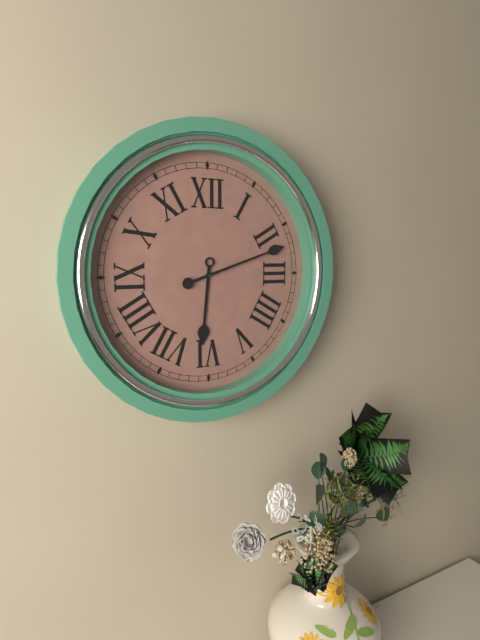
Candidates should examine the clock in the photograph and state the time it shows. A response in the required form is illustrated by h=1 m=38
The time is h=6 m=12
